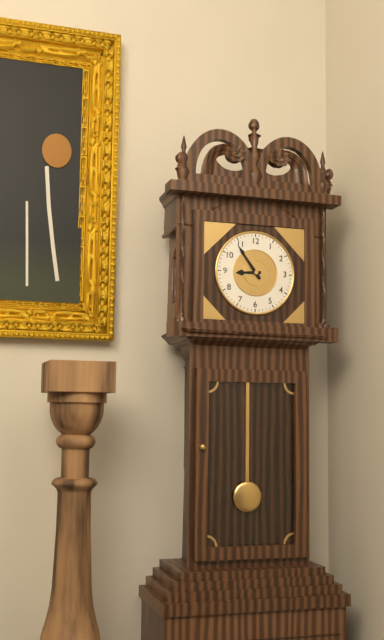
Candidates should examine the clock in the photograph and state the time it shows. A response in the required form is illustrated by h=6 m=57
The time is h=8 m=54
